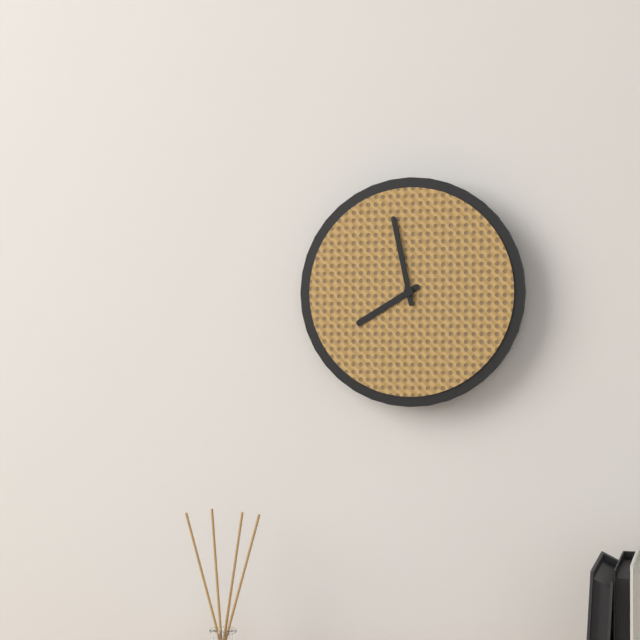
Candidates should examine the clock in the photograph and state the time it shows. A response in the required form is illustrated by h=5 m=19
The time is h=7 m=58
